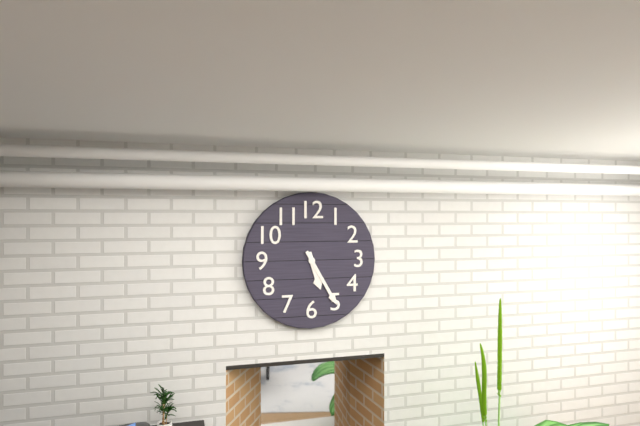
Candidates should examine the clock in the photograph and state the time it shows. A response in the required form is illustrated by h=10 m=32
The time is h=5 m=25
